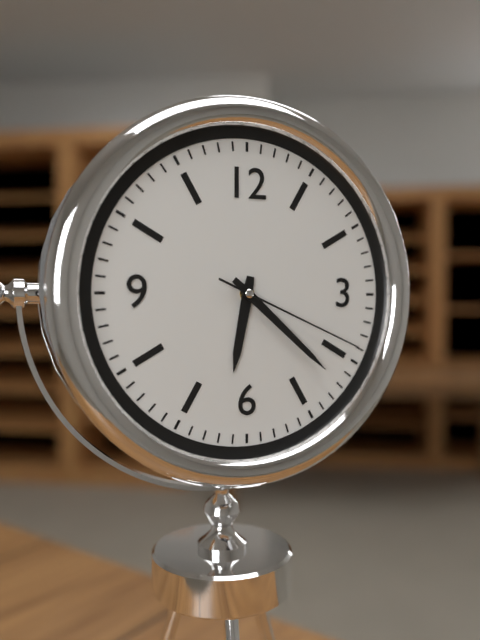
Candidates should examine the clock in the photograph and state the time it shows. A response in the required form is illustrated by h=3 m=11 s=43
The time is h=6 m=22 s=19
